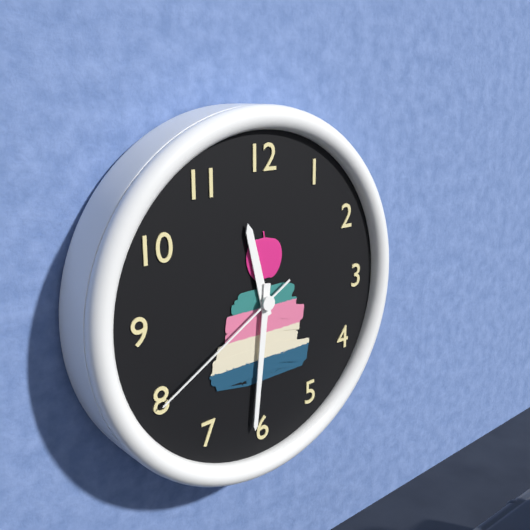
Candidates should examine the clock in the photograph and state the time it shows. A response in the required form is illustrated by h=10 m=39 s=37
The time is h=11 m=31 s=40
